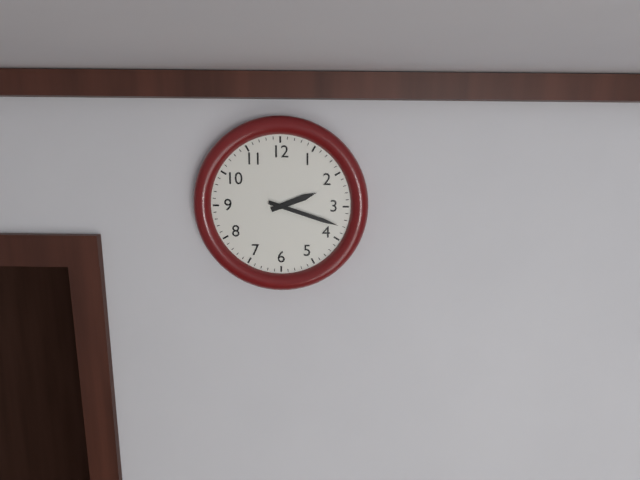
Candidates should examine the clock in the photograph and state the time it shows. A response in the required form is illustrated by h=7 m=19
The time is h=2 m=18
